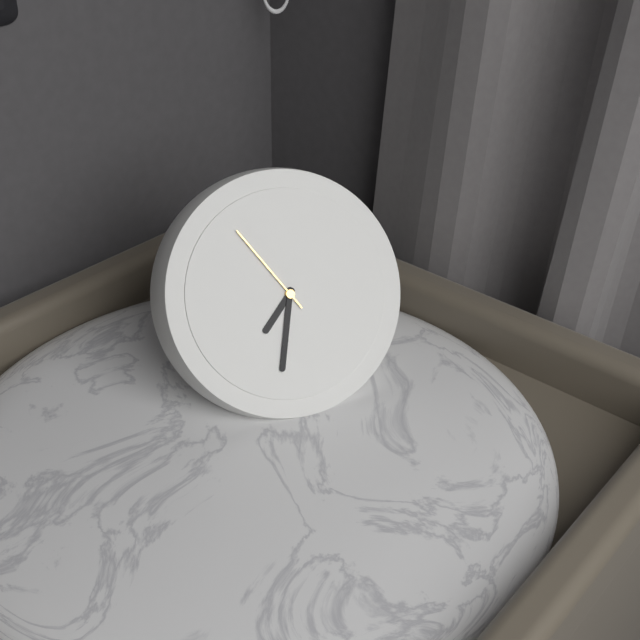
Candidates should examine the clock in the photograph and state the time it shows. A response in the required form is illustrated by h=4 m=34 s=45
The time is h=7 m=33 s=55
